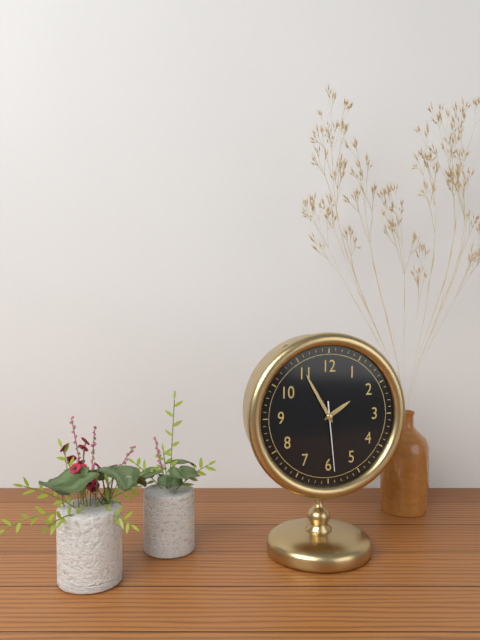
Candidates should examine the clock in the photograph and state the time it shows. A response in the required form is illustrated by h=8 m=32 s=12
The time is h=1 m=55 s=29
